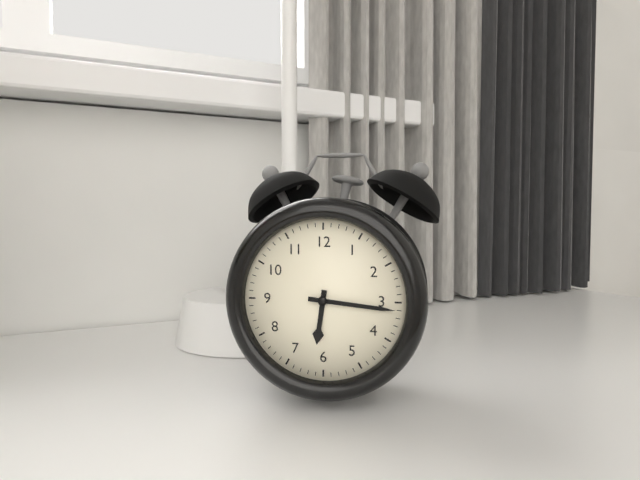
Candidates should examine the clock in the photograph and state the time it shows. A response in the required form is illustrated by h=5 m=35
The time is h=6 m=16
